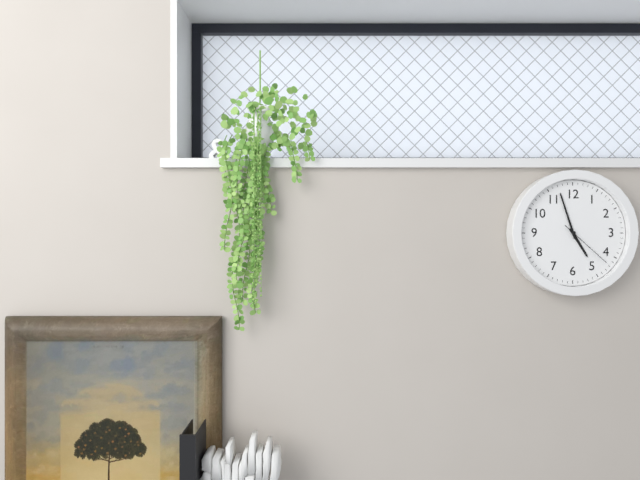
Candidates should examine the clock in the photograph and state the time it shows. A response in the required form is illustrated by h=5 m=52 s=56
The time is h=4 m=57 s=22
